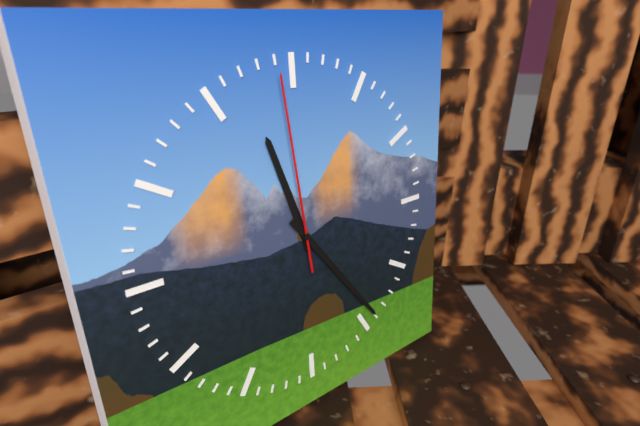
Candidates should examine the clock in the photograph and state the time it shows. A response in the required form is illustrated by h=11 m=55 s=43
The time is h=11 m=24 s=59
